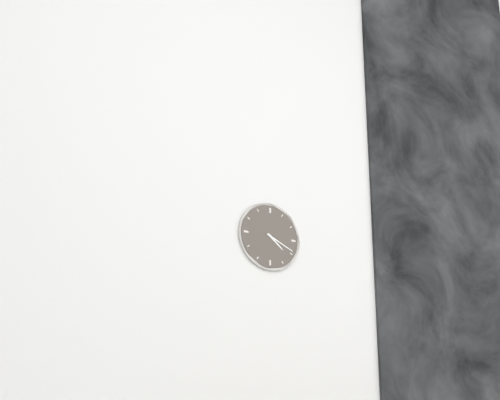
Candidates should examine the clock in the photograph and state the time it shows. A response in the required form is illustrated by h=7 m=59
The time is h=4 m=19
